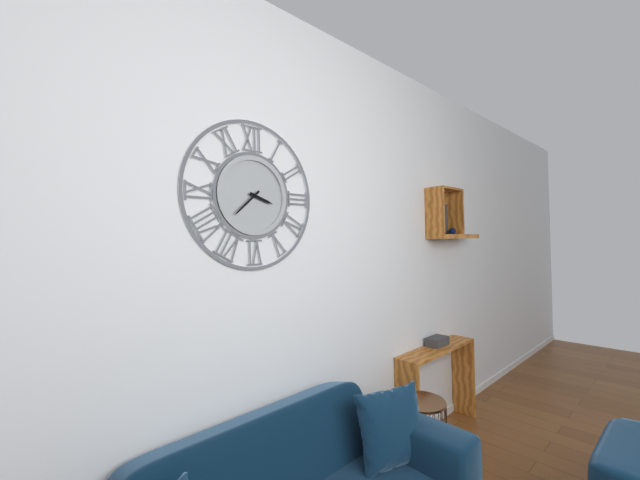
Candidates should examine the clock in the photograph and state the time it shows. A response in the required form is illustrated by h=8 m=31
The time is h=3 m=38
